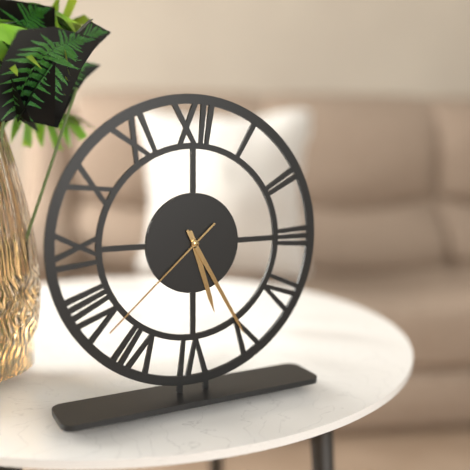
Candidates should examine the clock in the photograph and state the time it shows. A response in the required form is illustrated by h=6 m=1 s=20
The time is h=5 m=25 s=38
